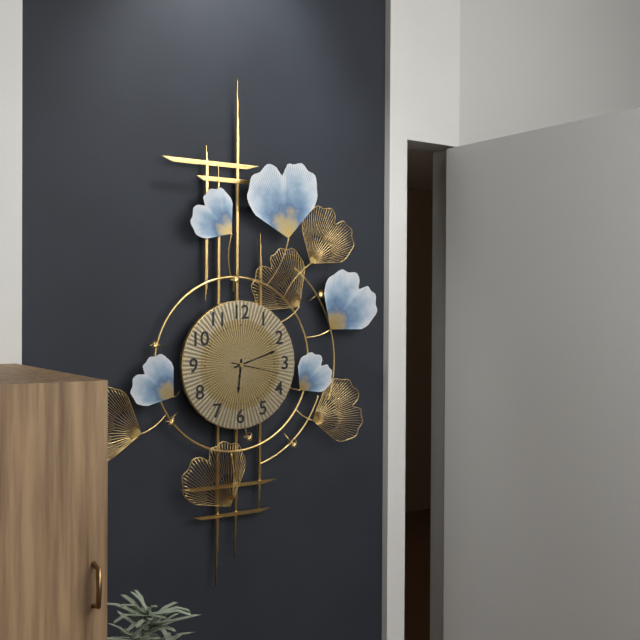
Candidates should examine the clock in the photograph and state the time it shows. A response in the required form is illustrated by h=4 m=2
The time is h=6 m=12
